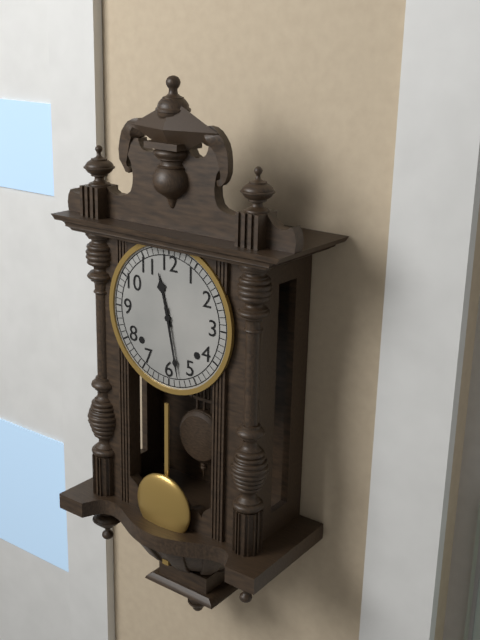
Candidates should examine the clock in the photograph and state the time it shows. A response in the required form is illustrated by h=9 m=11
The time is h=11 m=28
